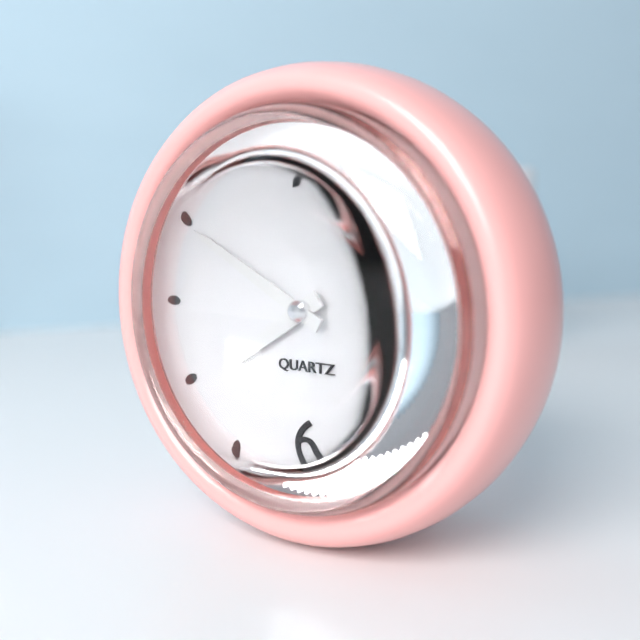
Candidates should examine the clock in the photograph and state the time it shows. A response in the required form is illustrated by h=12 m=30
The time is h=7 m=50
